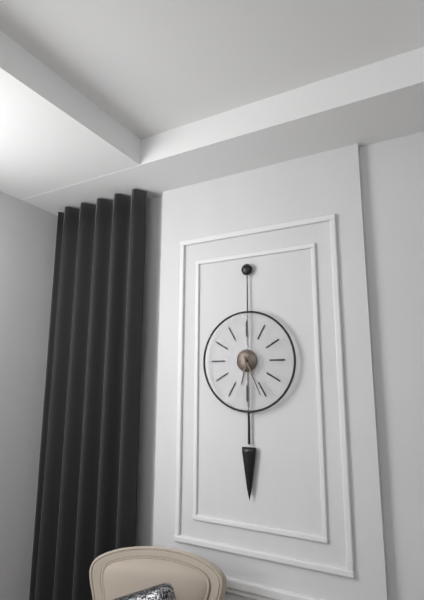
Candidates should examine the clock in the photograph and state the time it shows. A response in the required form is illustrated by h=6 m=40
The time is h=6 m=26
